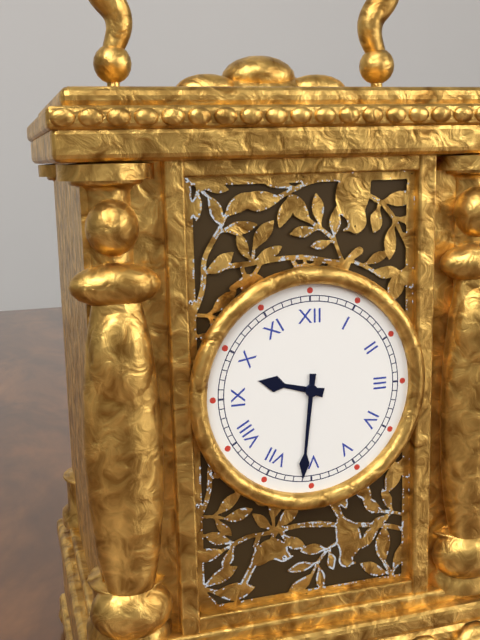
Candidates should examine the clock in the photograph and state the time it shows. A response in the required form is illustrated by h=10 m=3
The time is h=9 m=31
